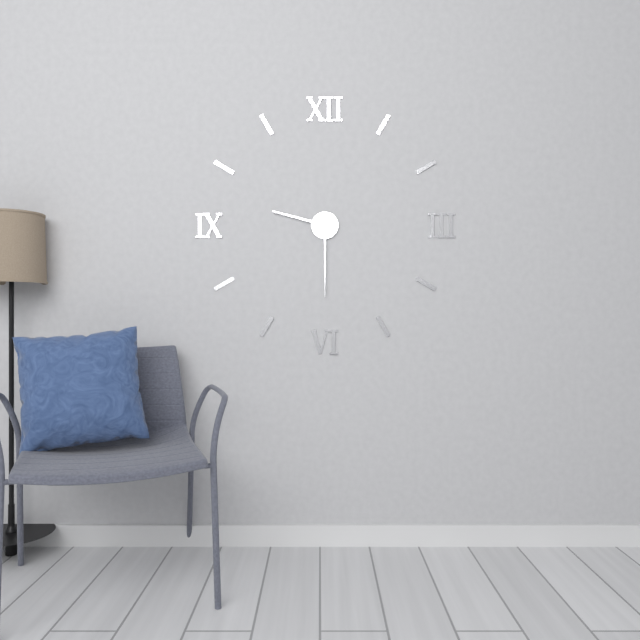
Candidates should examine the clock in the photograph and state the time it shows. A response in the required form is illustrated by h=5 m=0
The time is h=9 m=30
